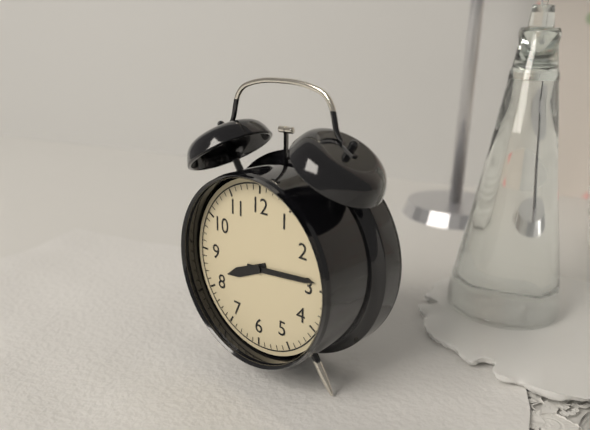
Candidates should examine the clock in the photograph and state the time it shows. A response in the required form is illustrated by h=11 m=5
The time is h=8 m=14
